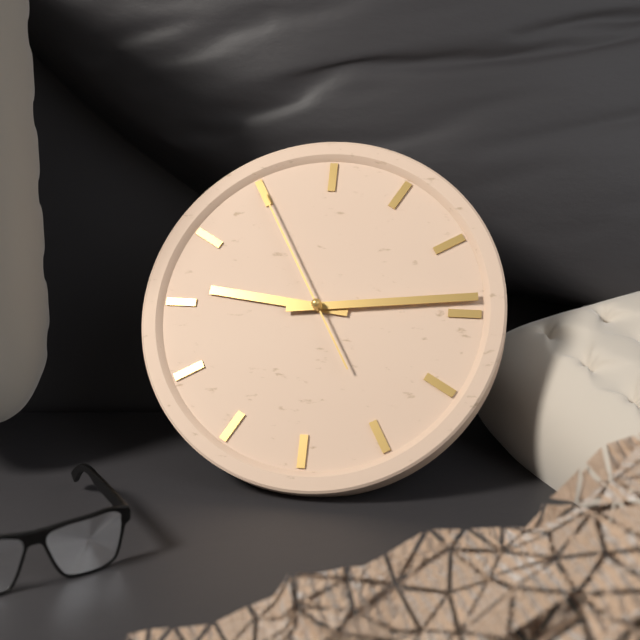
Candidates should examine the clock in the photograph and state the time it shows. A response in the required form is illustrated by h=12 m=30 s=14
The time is h=9 m=14 s=55
